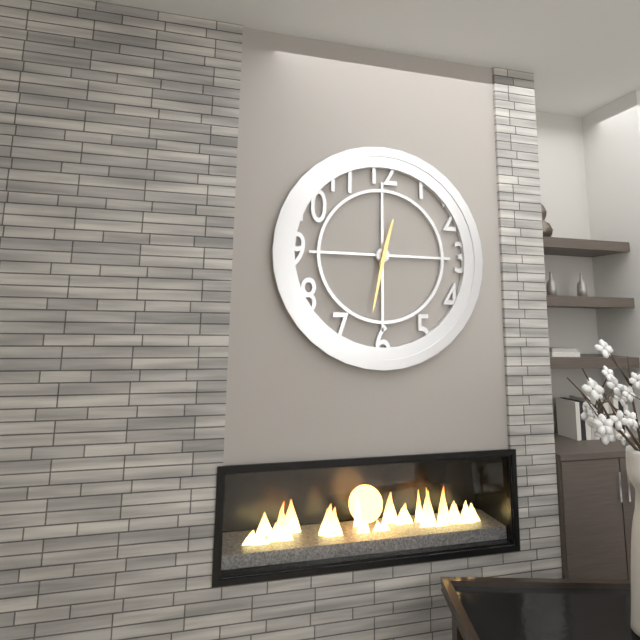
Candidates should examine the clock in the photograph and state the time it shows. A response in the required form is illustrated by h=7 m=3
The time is h=12 m=32
